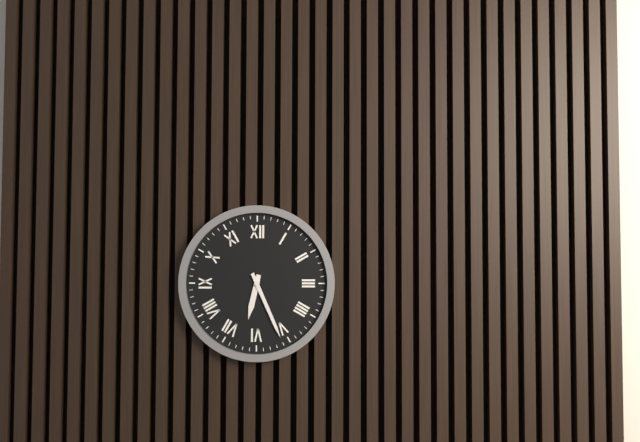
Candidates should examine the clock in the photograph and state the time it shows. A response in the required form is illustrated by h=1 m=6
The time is h=6 m=26
